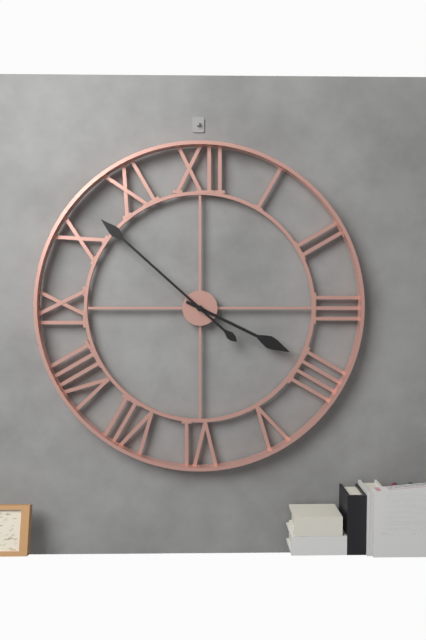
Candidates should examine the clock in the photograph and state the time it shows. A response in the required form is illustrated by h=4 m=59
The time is h=3 m=52
